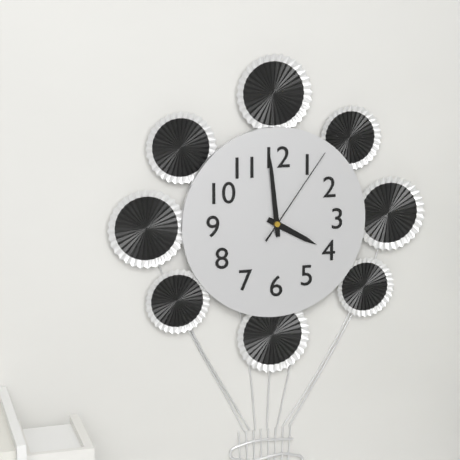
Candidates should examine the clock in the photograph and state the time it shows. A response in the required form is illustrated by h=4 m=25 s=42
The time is h=3 m=59 s=6
